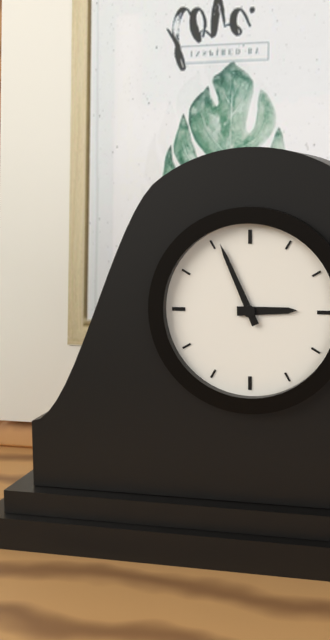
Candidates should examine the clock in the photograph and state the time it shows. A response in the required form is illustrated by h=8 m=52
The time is h=2 m=56
